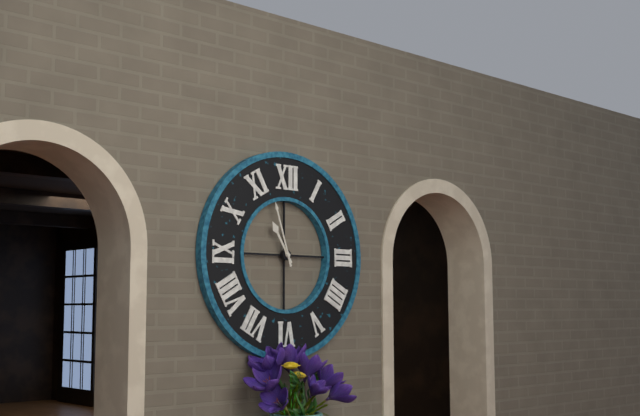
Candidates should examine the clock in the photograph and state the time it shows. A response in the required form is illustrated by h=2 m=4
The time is h=10 m=57
